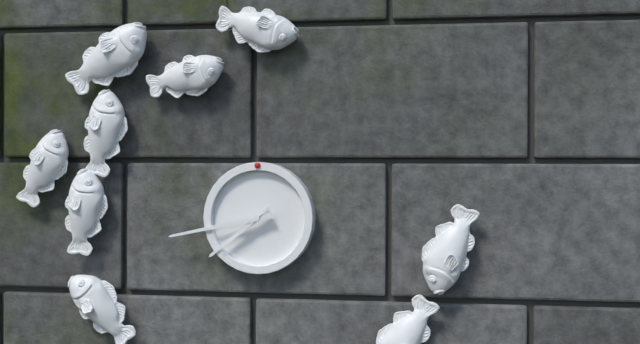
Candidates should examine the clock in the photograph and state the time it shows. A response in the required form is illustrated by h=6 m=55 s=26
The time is h=7 m=43 s=38
